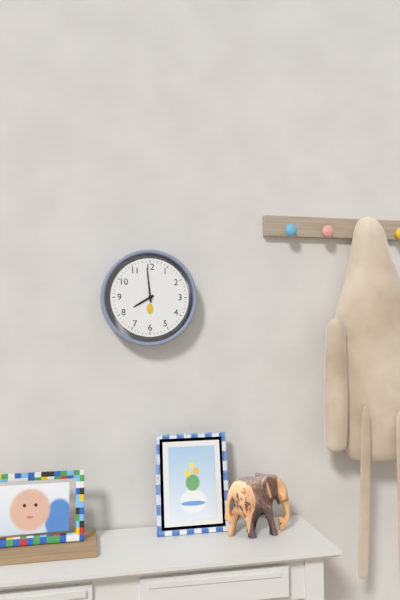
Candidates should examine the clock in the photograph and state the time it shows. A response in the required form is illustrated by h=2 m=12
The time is h=7 m=59
